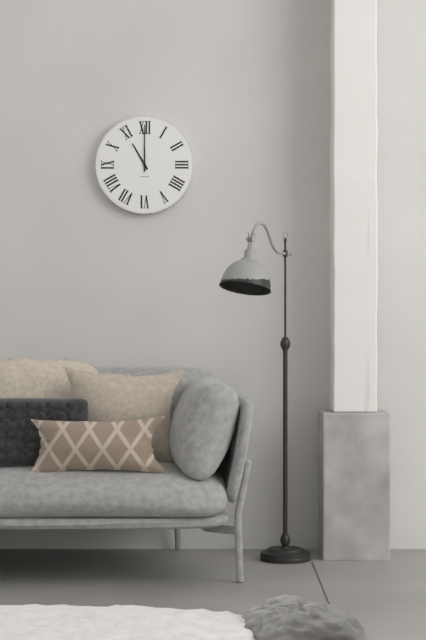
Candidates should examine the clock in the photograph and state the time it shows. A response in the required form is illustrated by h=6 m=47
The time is h=11 m=0
